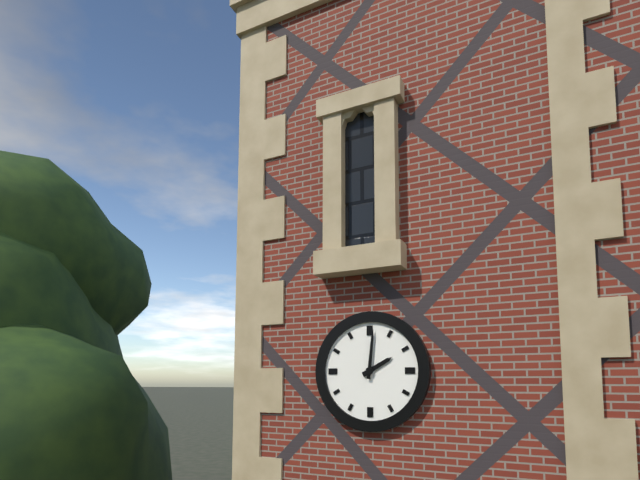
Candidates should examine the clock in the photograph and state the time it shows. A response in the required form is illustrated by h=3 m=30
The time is h=2 m=1
